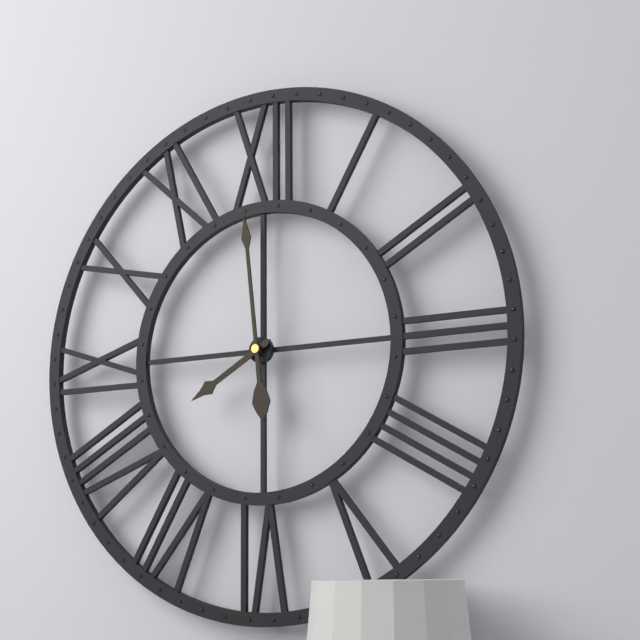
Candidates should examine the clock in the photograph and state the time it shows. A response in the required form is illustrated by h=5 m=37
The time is h=7 m=59
